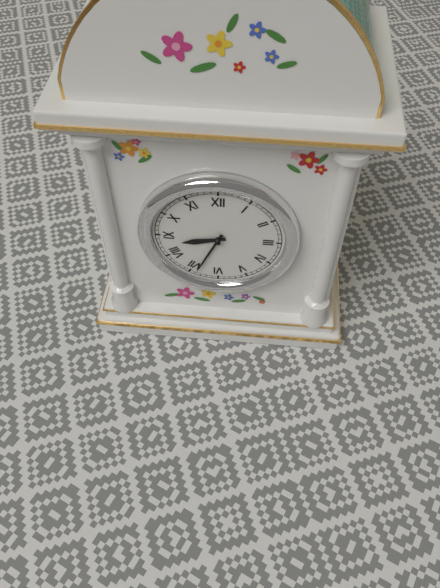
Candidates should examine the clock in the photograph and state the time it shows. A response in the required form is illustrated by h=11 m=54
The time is h=8 m=34
